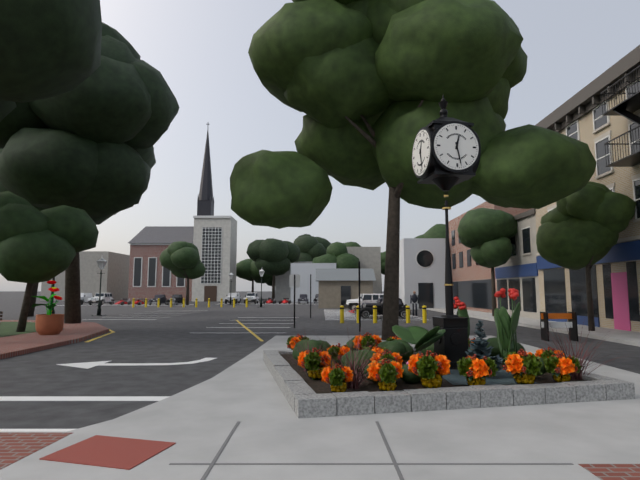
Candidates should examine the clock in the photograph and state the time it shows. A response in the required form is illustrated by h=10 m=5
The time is h=12 m=28
